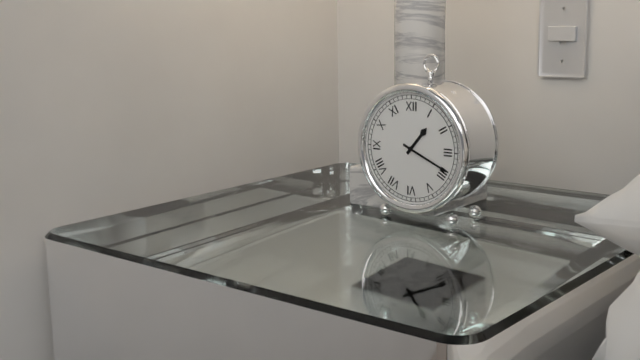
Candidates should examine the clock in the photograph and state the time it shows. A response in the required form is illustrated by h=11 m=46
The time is h=1 m=19
